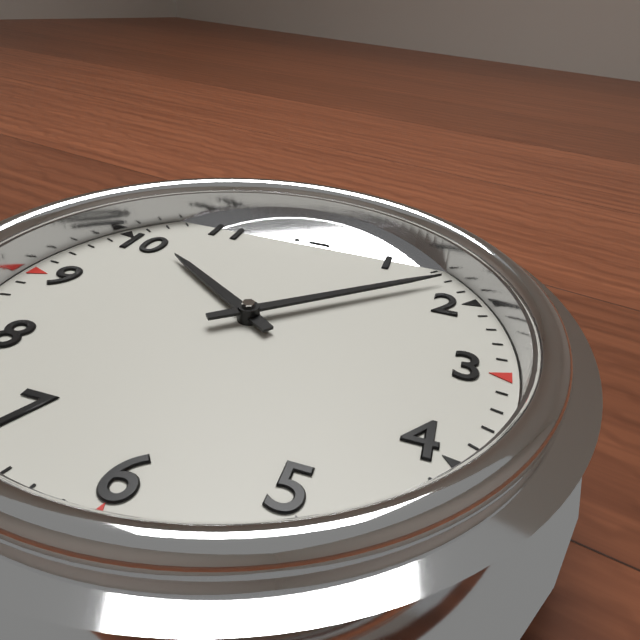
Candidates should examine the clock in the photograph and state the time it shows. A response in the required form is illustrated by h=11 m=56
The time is h=10 m=8
